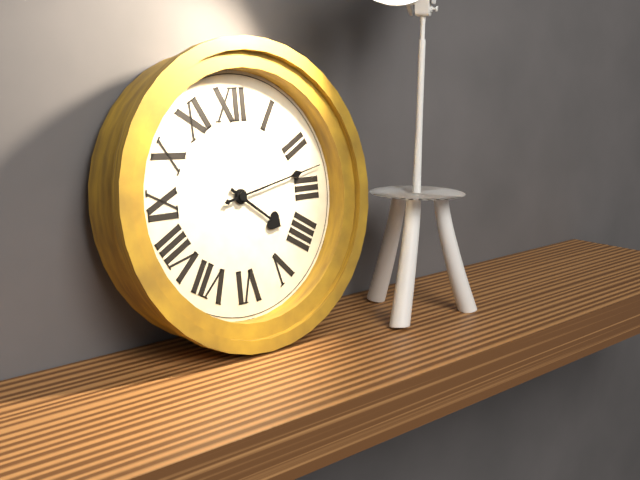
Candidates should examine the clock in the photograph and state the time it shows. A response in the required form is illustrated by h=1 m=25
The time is h=4 m=13
